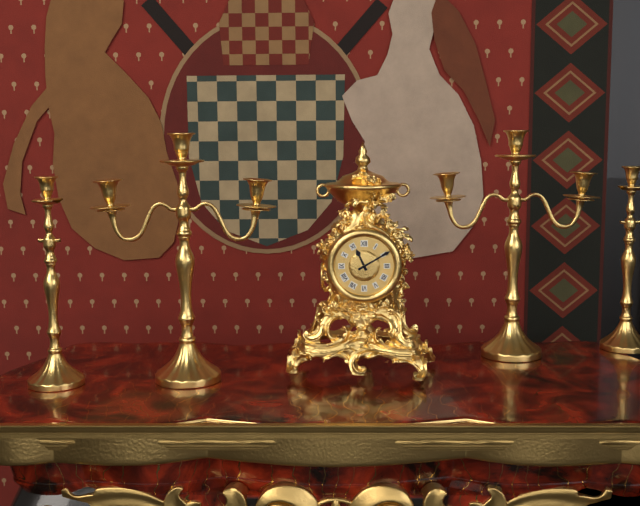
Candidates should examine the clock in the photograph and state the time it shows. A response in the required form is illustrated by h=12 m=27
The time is h=11 m=10
